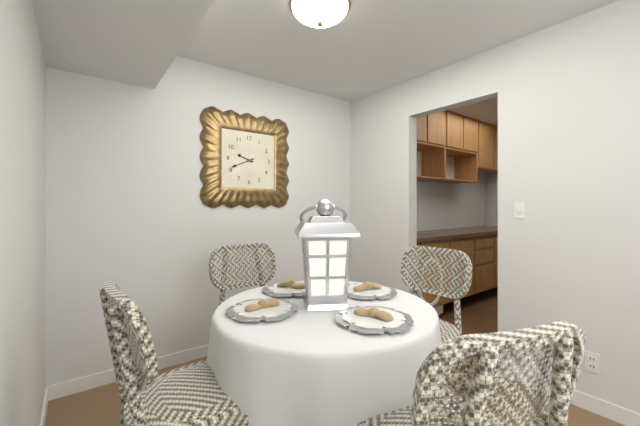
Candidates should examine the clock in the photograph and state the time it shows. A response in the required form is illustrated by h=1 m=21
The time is h=9 m=41
